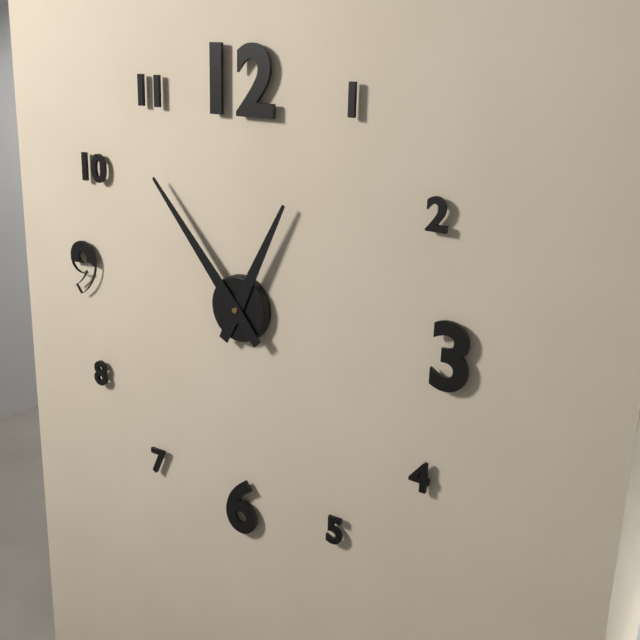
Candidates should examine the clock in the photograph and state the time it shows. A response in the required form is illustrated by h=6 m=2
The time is h=12 m=53
